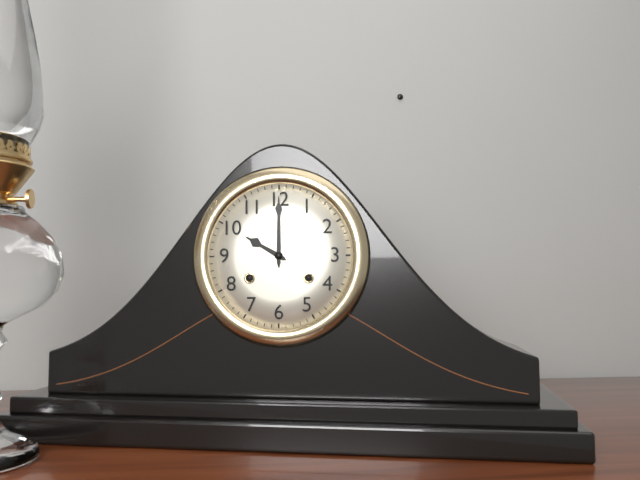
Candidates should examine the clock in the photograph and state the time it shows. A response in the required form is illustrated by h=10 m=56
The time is h=10 m=0
